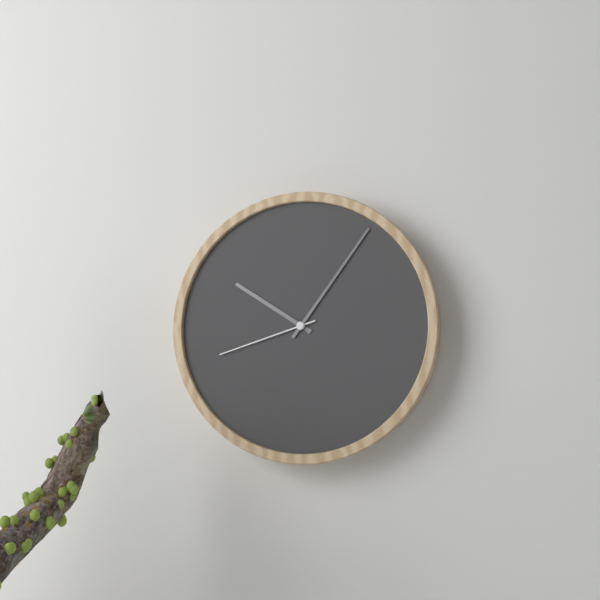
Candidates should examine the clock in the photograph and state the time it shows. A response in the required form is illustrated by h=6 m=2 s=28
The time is h=10 m=6 s=42
